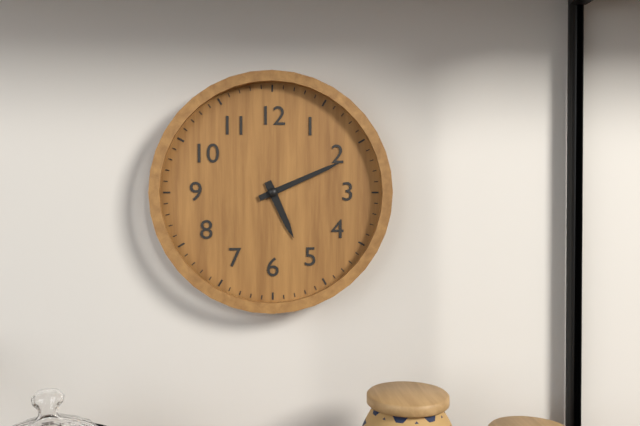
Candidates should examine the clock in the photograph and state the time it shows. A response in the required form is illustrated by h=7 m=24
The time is h=5 m=11
